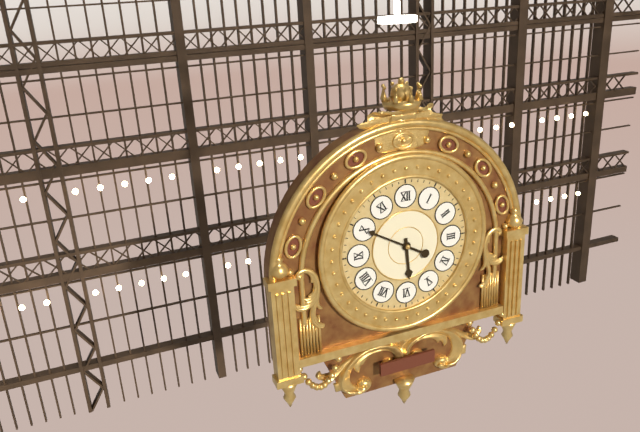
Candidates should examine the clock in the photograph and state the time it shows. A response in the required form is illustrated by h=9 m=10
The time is h=5 m=50
